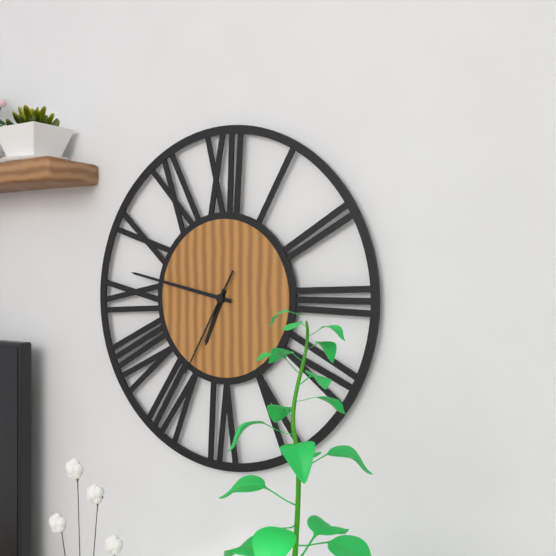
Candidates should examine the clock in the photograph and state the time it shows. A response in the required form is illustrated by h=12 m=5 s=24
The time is h=6 m=47 s=35
